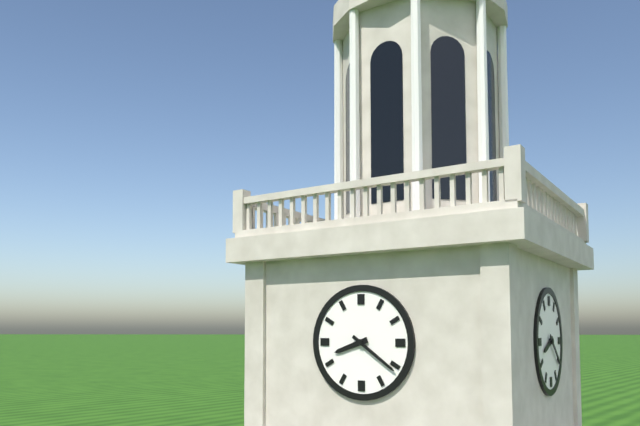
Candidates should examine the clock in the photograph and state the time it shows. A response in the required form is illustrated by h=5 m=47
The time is h=8 m=21
